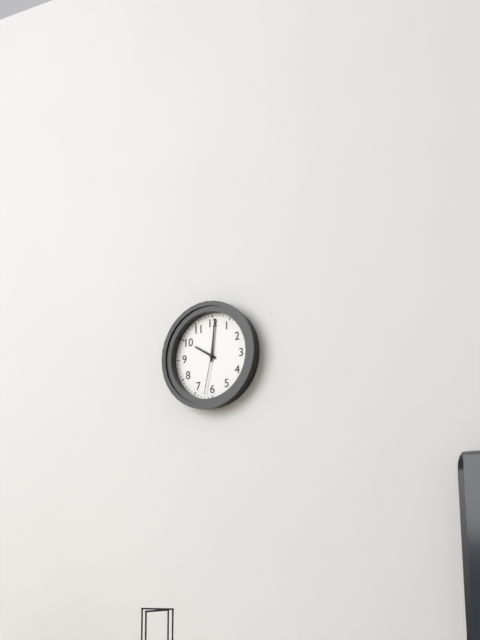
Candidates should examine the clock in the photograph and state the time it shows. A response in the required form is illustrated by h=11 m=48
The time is h=10 m=1
